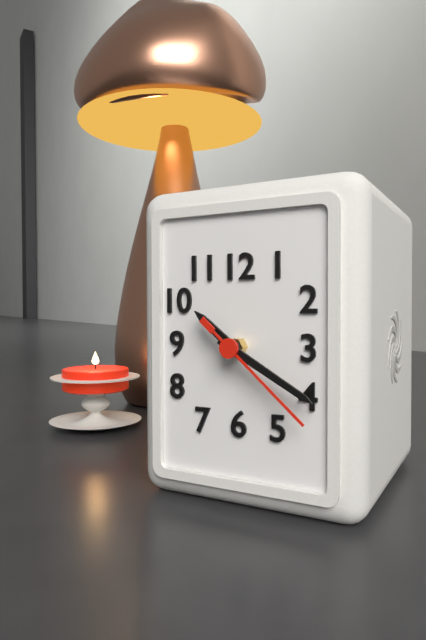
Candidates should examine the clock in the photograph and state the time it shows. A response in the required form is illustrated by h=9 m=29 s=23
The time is h=10 m=20 s=22
